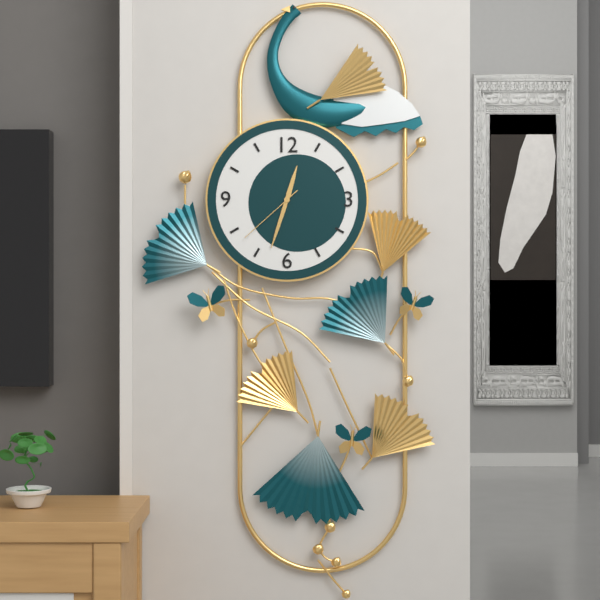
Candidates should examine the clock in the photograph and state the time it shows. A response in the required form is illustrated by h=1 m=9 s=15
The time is h=12 m=33 s=38
